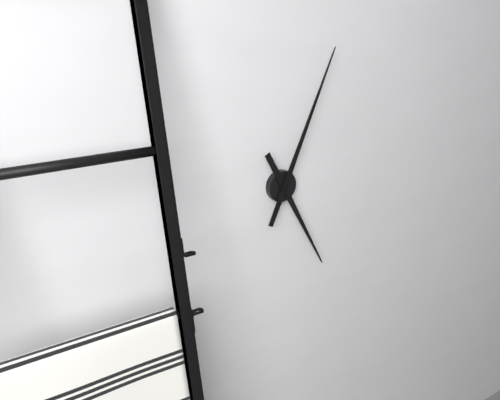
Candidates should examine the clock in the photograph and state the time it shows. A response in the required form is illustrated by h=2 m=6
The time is h=5 m=4
